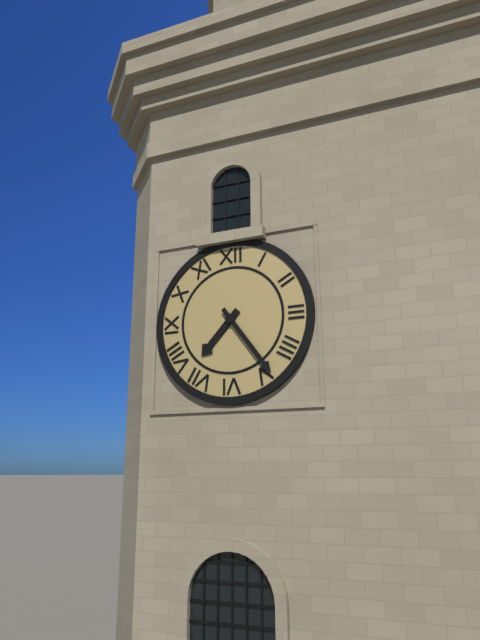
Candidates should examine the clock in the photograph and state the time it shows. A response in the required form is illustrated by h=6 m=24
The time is h=7 m=24
